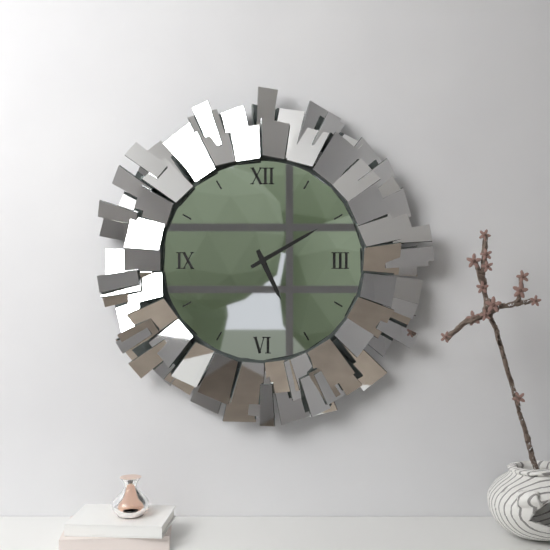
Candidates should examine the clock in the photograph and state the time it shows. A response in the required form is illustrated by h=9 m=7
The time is h=5 m=10
